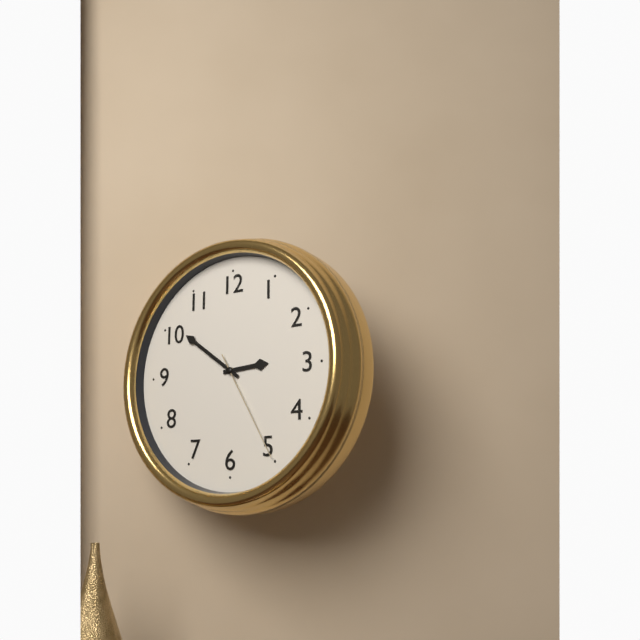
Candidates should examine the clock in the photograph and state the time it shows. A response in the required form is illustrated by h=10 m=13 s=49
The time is h=2 m=51 s=25
